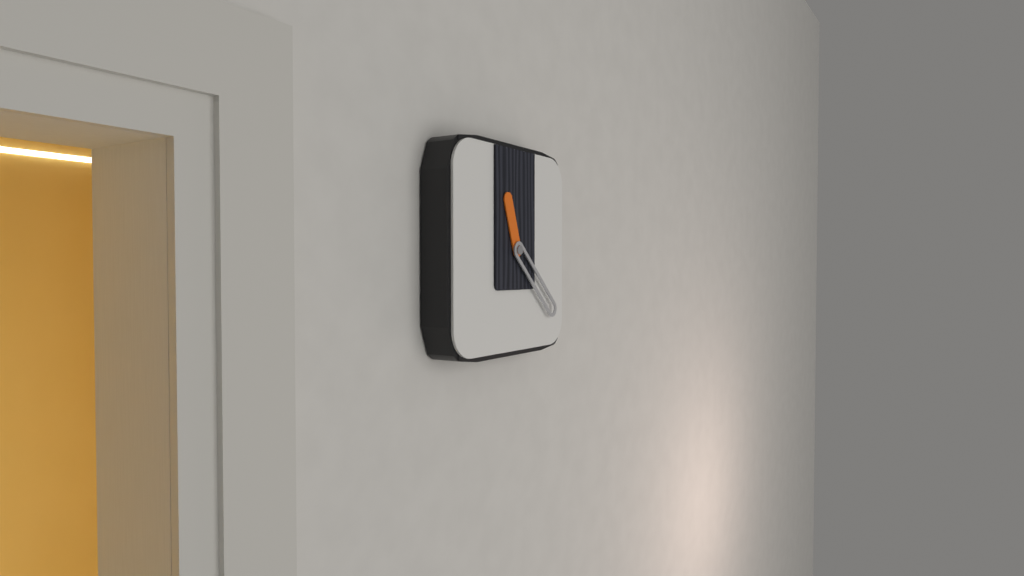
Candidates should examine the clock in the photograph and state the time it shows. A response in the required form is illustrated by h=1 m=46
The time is h=11 m=22
